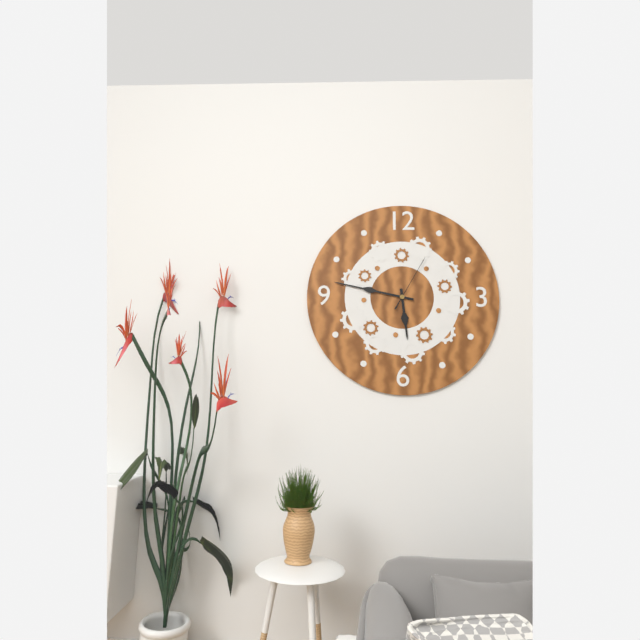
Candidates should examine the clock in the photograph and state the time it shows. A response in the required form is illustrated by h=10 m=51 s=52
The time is h=5 m=47 s=5
